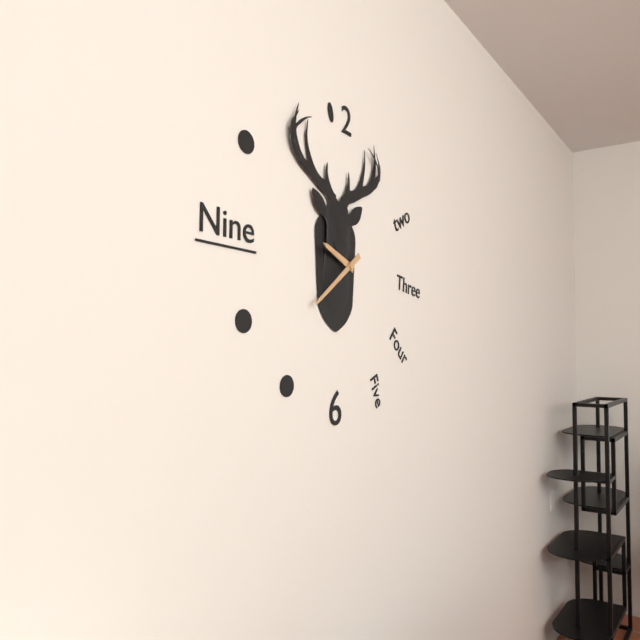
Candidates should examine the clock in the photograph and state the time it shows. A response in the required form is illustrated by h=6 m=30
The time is h=9 m=39
